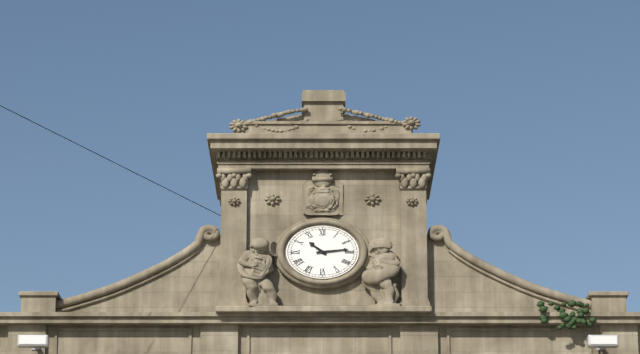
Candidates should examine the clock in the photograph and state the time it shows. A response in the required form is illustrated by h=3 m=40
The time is h=10 m=14
